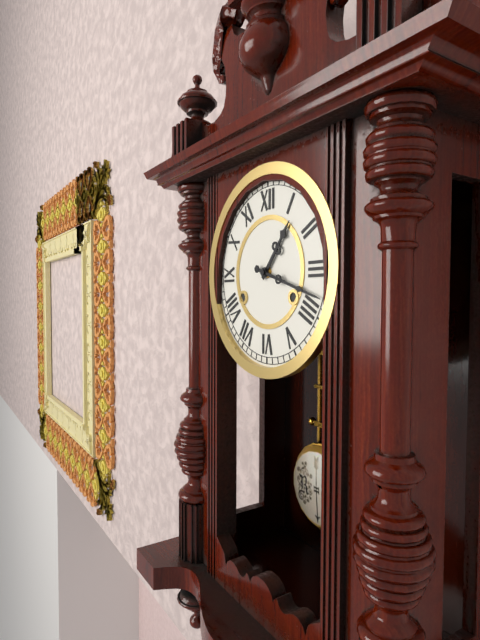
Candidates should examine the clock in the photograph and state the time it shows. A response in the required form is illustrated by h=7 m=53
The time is h=1 m=18
